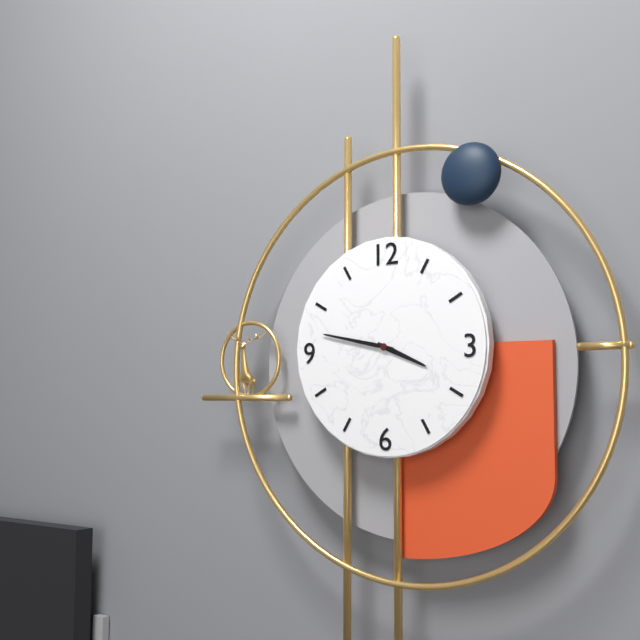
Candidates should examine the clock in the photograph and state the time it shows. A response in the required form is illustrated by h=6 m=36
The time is h=3 m=47
